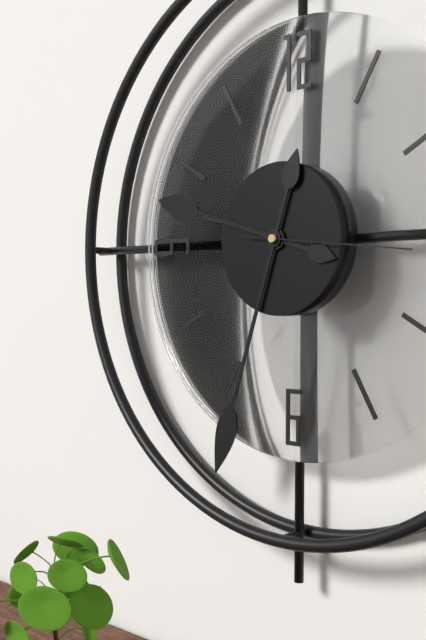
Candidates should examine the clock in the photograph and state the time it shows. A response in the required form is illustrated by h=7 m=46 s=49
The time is h=9 m=33 s=16
